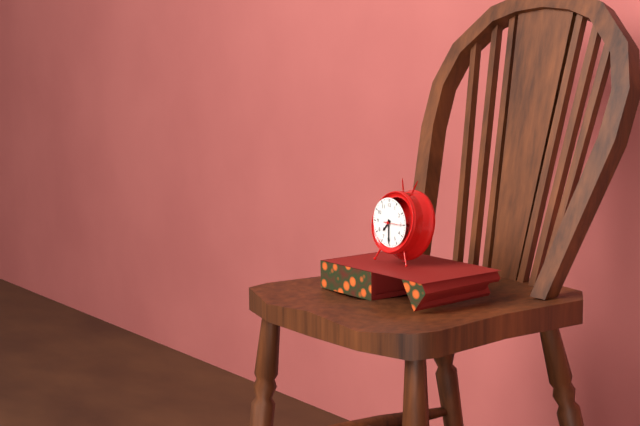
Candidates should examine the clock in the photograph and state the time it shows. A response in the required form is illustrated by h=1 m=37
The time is h=7 m=30
